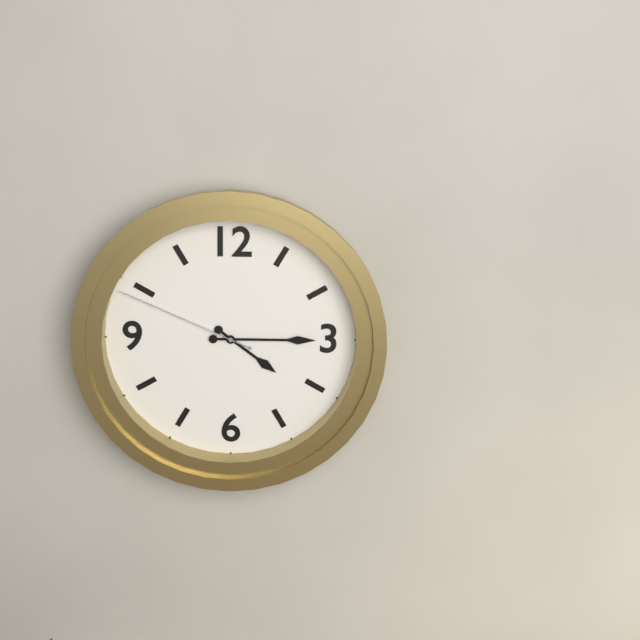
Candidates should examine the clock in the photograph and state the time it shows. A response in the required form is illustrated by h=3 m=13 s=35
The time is h=4 m=15 s=49
